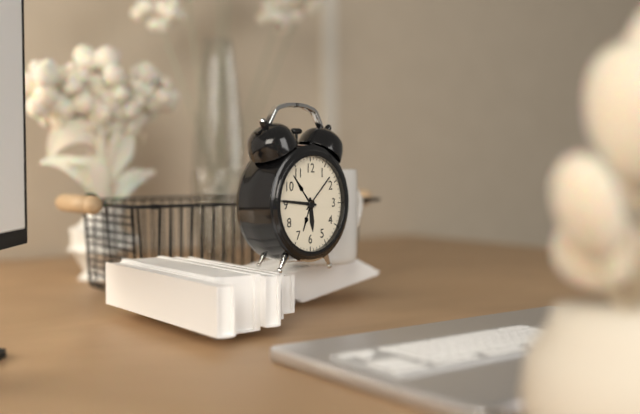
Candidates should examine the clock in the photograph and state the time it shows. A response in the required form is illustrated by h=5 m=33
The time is h=5 m=46
